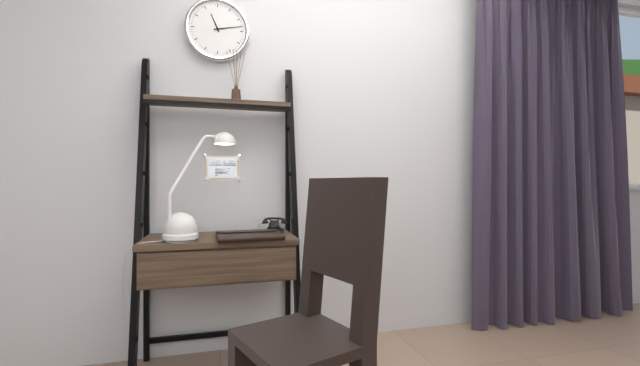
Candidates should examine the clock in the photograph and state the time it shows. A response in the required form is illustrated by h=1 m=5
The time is h=11 m=13
